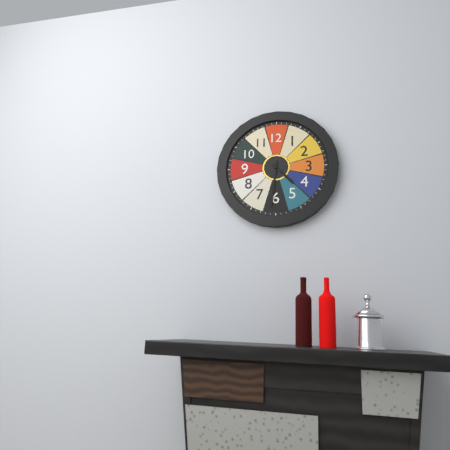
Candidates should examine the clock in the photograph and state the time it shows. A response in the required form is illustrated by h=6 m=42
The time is h=4 m=31
